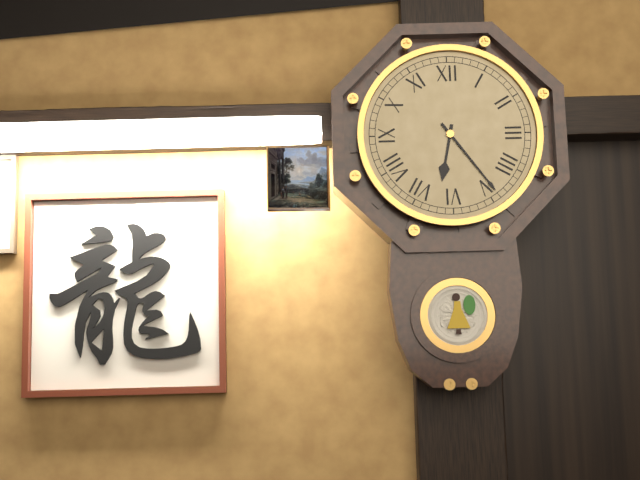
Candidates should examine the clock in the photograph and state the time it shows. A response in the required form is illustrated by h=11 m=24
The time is h=6 m=24
